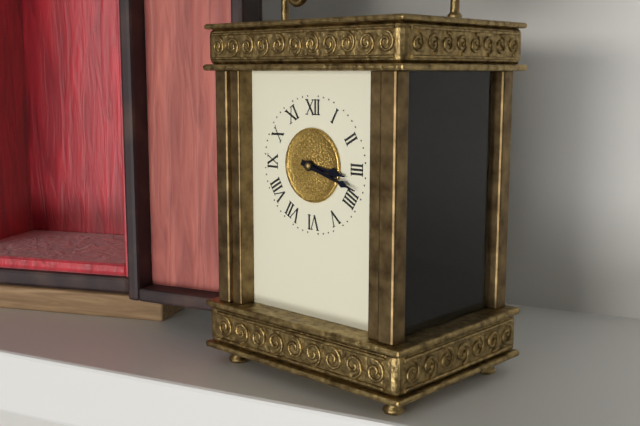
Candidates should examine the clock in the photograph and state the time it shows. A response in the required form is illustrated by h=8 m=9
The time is h=3 m=18
